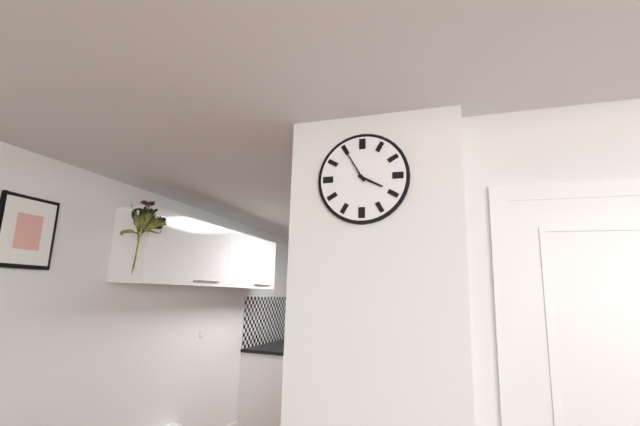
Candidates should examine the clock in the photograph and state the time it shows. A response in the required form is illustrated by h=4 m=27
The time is h=3 m=55
